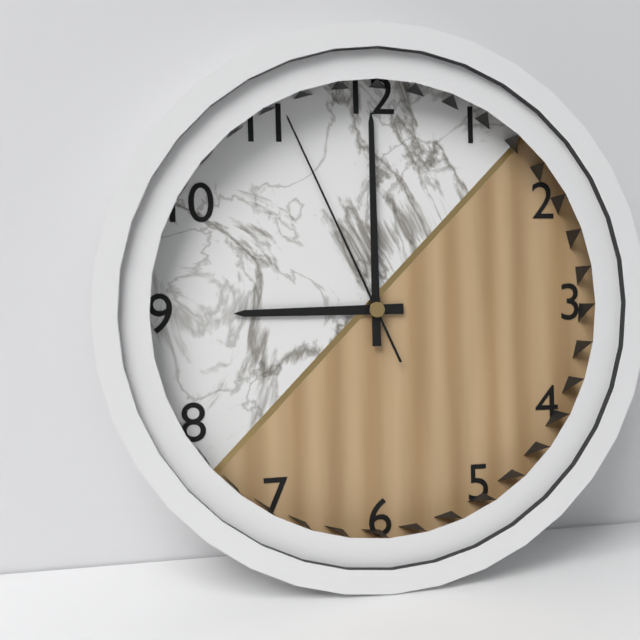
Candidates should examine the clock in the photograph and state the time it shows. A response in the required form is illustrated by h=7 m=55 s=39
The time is h=9 m=0 s=56
